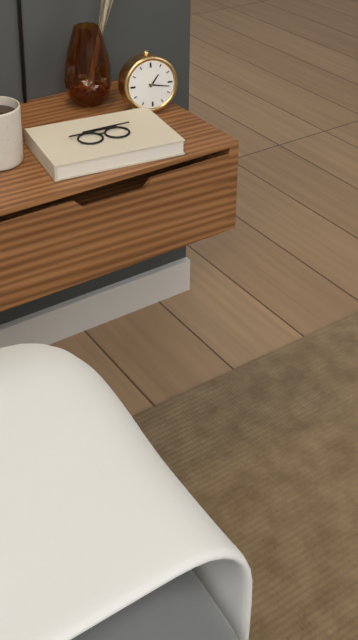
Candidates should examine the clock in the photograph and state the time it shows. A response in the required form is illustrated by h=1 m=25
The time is h=1 m=17
